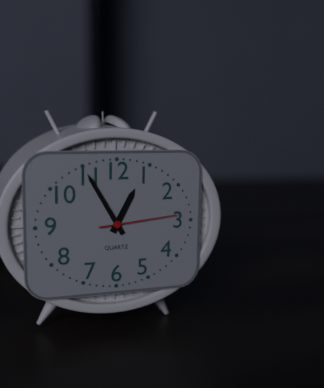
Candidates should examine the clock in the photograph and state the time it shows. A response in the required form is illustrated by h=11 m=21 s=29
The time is h=12 m=55 s=14
